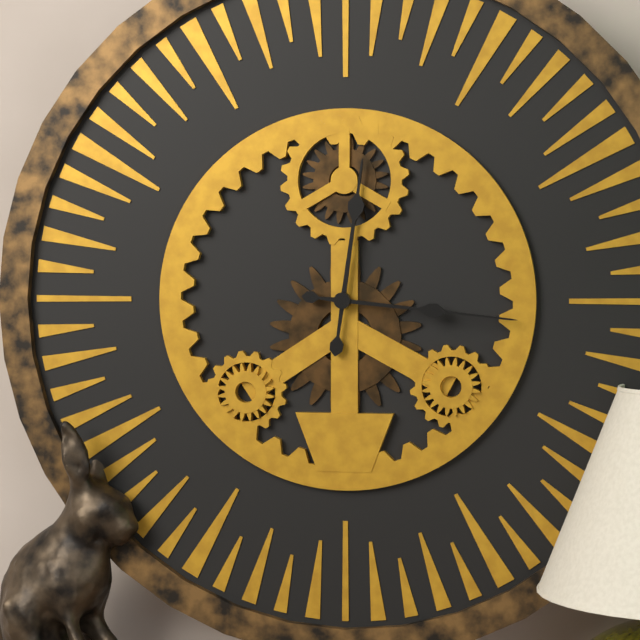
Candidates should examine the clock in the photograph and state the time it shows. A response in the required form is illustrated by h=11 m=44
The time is h=12 m=16
